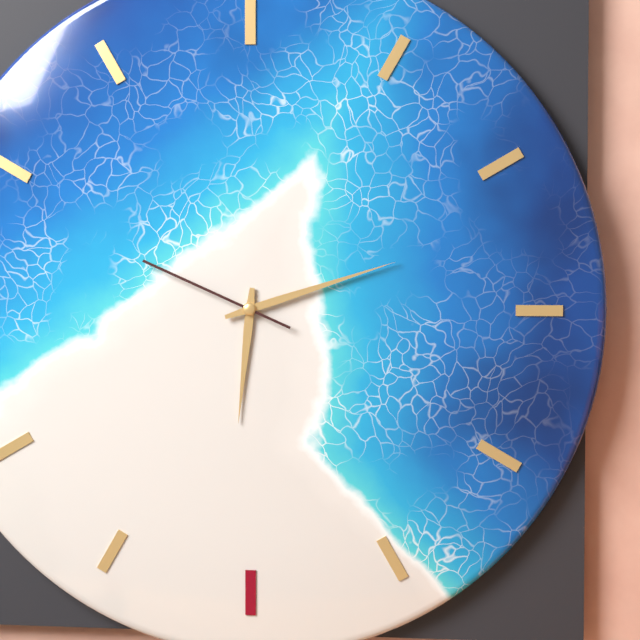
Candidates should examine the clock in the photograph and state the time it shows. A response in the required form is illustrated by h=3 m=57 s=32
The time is h=6 m=12 s=49
